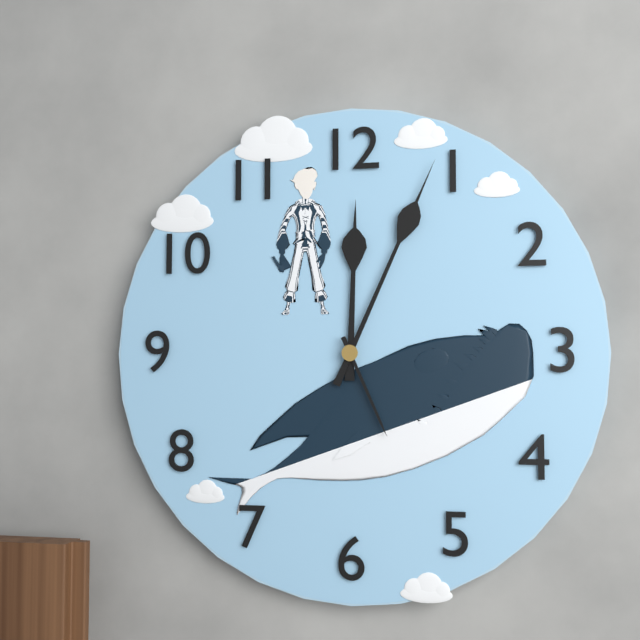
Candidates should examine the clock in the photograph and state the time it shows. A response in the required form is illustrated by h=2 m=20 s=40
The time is h=12 m=4 s=26
